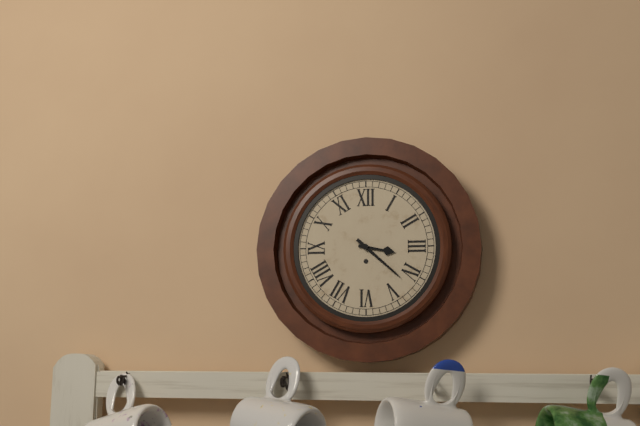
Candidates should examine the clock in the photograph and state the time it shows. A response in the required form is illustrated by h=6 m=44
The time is h=3 m=22
